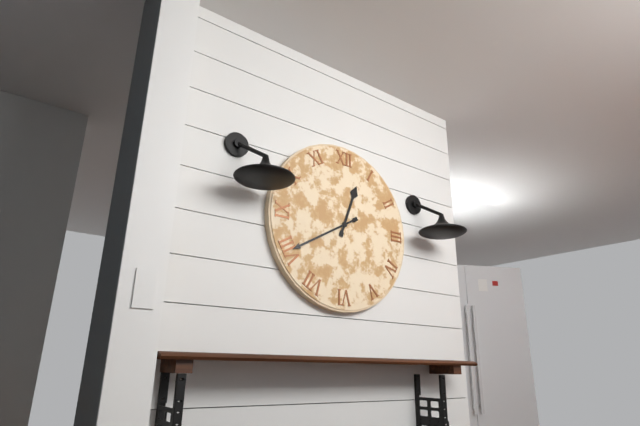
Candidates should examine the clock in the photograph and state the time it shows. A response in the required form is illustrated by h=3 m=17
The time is h=12 m=40
